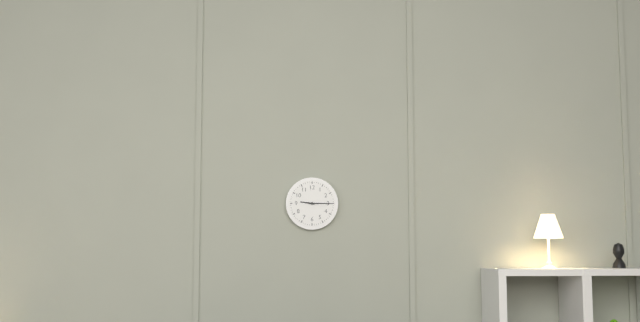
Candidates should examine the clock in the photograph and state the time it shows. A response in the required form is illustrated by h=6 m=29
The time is h=9 m=15
